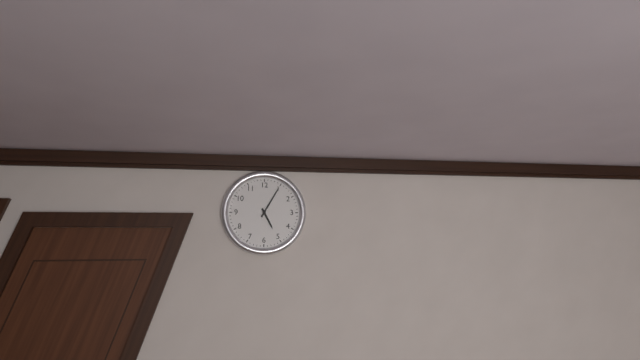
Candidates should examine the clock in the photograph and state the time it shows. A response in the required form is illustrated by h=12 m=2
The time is h=5 m=5
